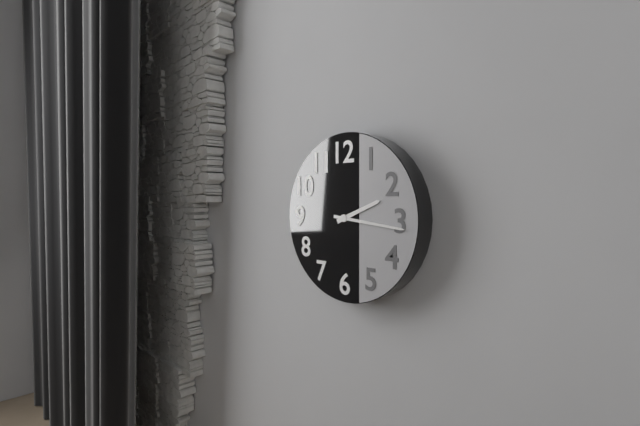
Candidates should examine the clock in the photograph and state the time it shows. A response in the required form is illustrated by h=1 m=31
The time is h=2 m=16
